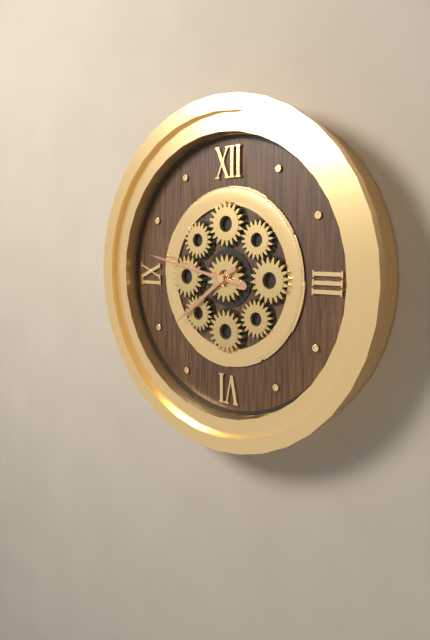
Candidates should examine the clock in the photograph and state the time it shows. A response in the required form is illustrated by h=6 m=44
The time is h=7 m=47
